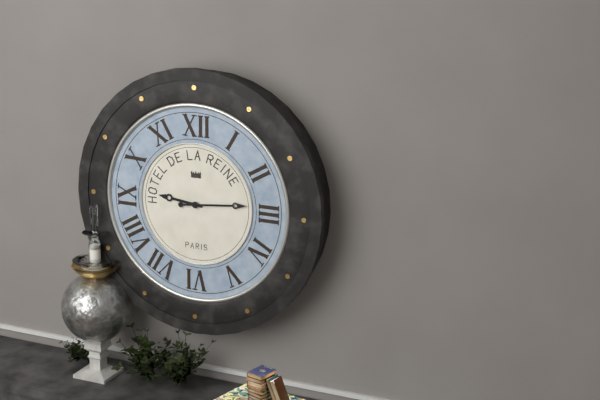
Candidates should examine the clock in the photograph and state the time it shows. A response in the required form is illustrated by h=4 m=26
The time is h=9 m=14
